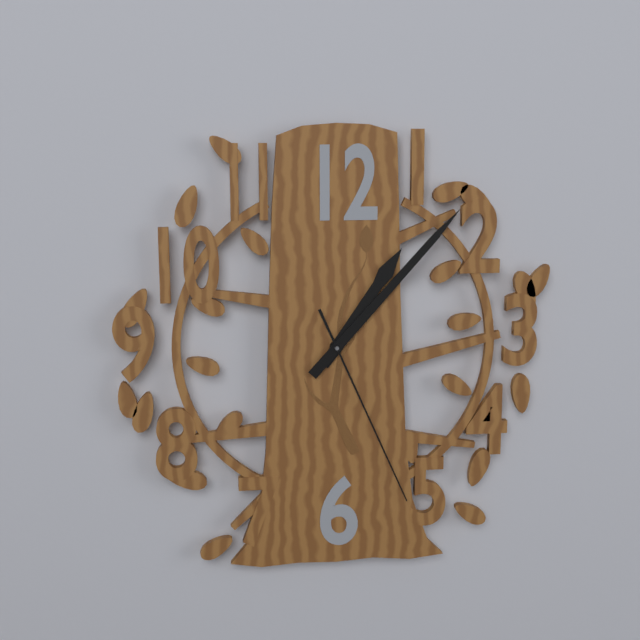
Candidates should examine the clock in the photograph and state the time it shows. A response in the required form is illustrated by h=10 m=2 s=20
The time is h=1 m=7 s=26
